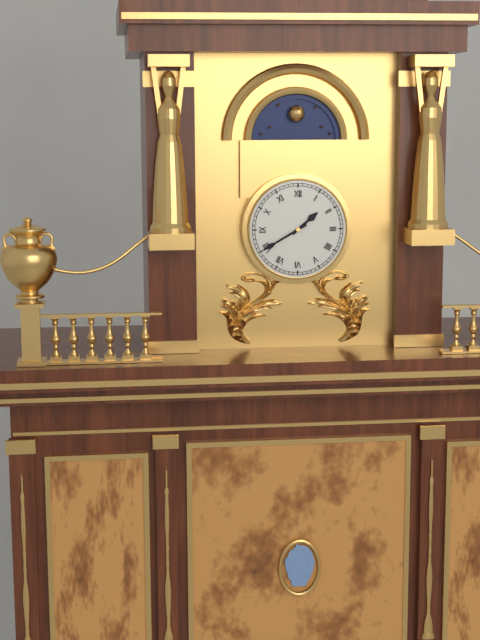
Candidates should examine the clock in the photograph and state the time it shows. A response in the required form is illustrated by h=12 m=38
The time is h=1 m=40
